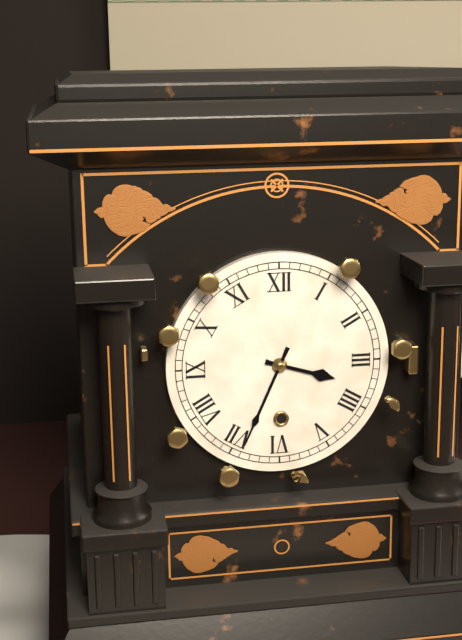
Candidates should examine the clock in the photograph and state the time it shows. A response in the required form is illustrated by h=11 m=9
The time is h=3 m=34
